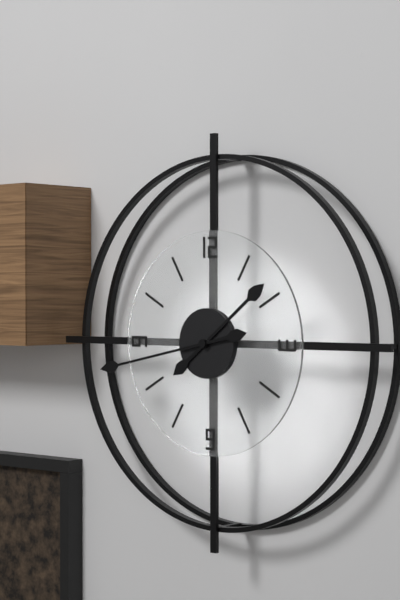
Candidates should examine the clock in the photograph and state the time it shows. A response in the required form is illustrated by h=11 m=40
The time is h=1 m=43
